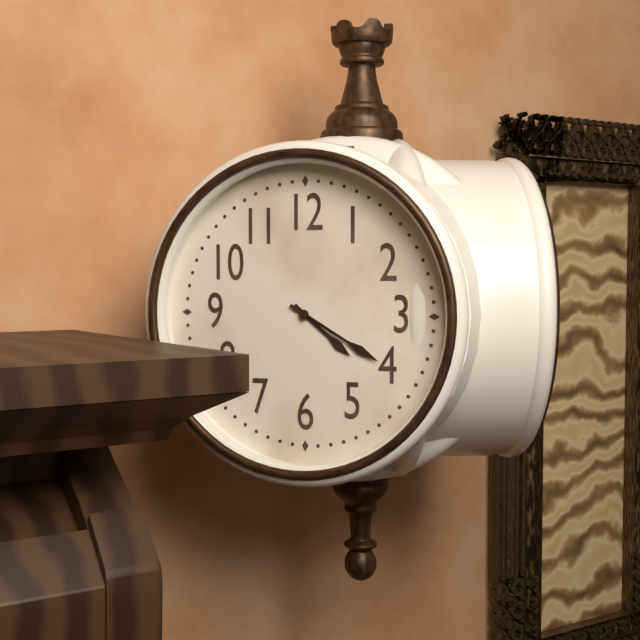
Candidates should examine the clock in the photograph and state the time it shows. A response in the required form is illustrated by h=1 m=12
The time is h=4 m=20
